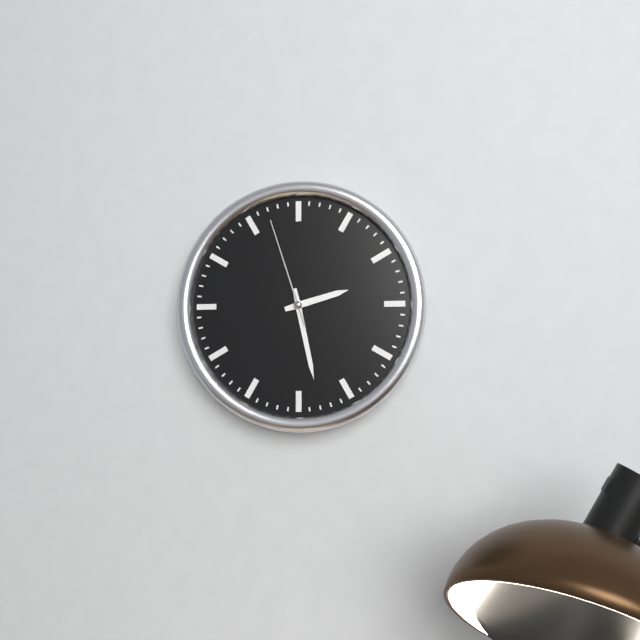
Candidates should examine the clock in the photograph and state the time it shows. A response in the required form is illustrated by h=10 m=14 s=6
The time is h=2 m=28 s=57
